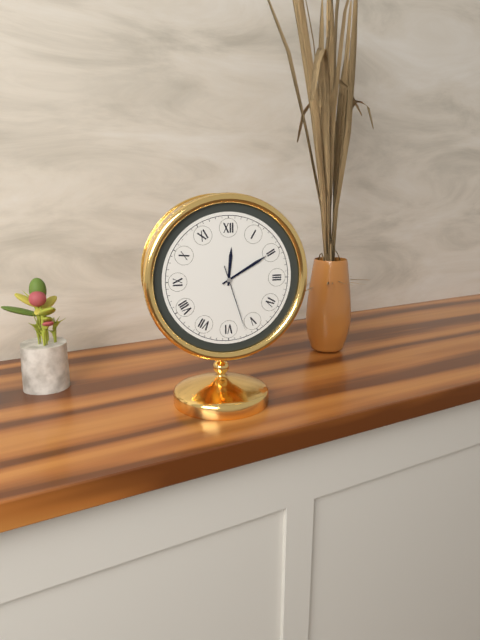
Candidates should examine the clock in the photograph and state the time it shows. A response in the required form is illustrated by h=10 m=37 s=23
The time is h=12 m=10 s=27
